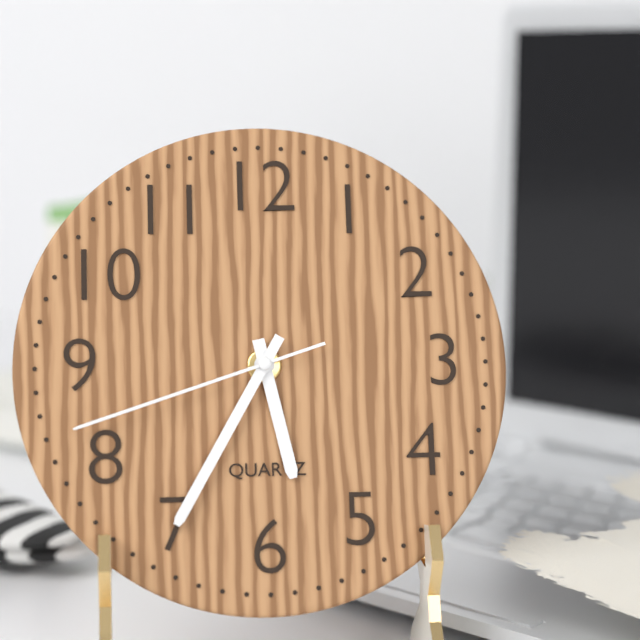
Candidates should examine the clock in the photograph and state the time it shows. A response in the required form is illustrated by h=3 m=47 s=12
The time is h=5 m=35 s=42
